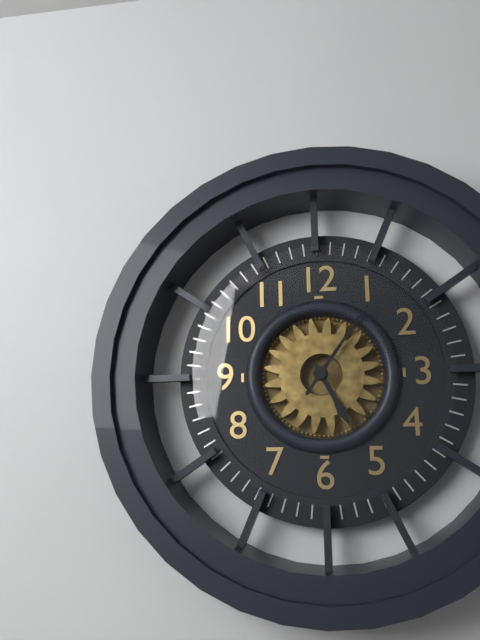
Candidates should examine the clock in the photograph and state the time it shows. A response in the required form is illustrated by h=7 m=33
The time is h=5 m=6
